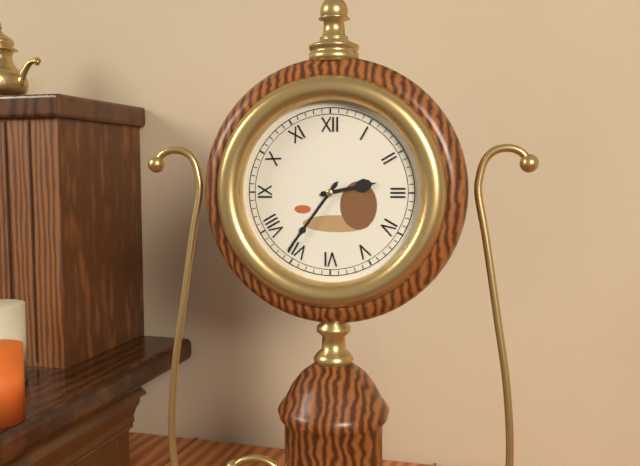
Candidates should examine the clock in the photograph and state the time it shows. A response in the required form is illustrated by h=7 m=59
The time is h=2 m=36
